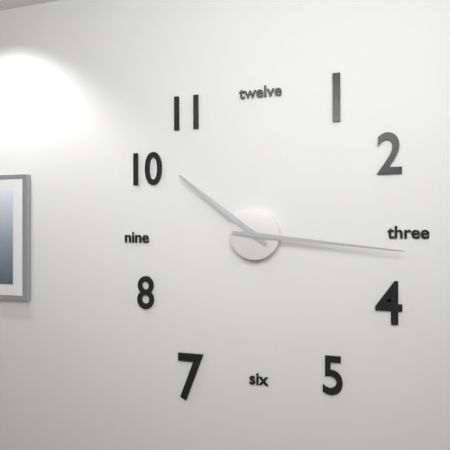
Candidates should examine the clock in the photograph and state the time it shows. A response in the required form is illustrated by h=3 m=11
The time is h=10 m=16
